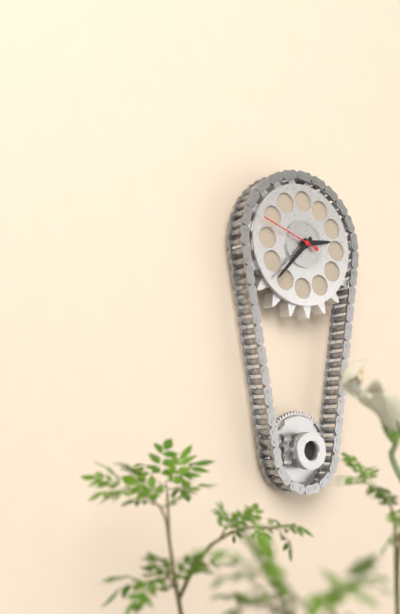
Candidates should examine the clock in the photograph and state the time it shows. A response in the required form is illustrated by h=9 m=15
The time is h=2 m=37
